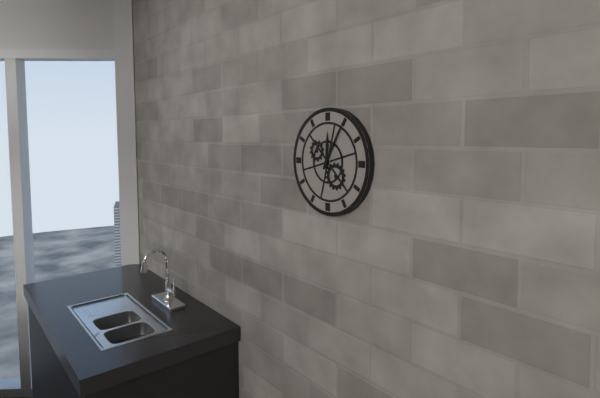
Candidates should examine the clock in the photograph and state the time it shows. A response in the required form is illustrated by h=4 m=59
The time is h=12 m=5
